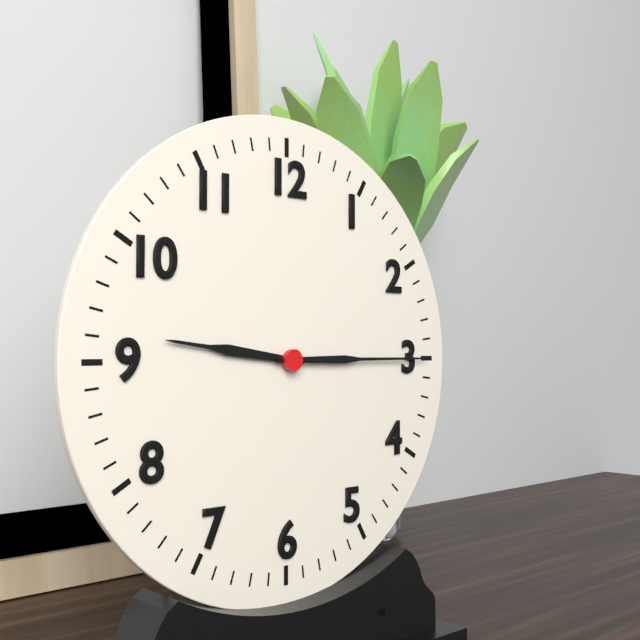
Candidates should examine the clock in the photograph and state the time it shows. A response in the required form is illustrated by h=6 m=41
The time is h=9 m=15
